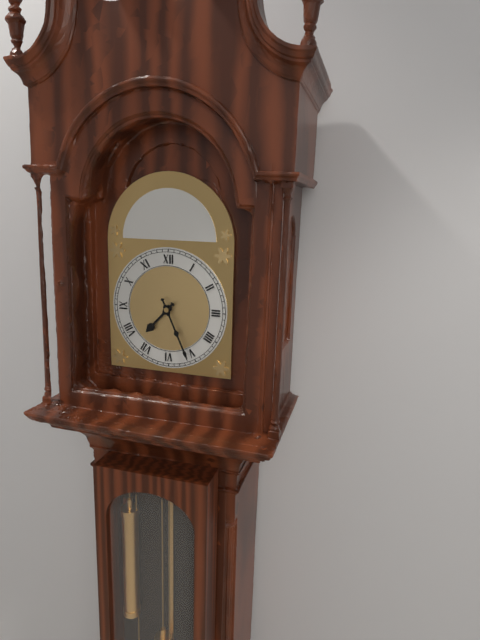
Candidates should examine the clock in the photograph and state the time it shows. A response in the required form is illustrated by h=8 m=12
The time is h=7 m=26
